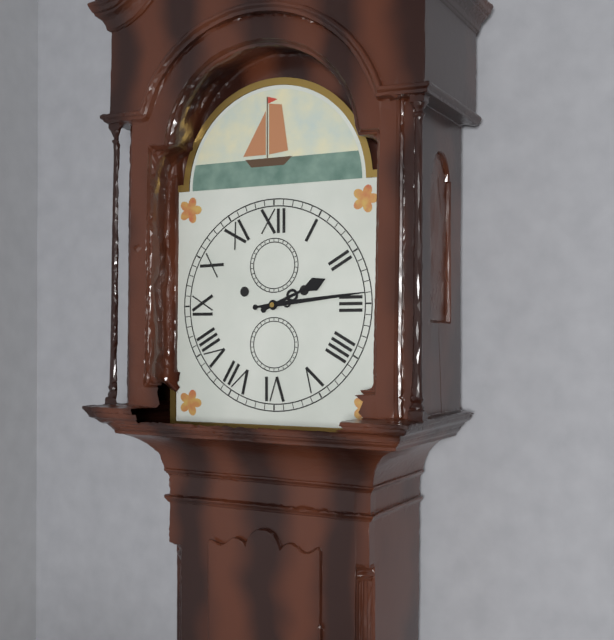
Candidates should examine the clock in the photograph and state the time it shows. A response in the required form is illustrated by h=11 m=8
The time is h=2 m=14
